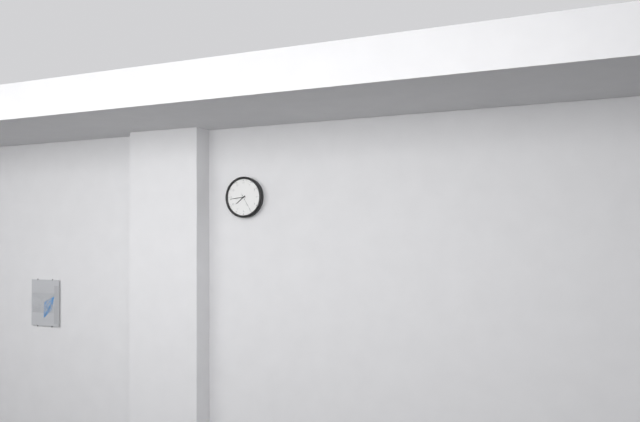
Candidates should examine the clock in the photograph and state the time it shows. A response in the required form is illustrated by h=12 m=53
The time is h=7 m=44
